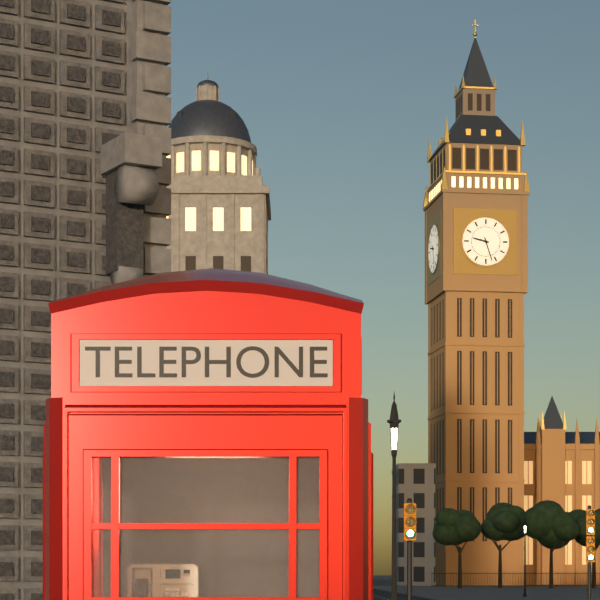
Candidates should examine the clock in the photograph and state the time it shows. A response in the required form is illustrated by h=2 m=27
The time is h=9 m=27
